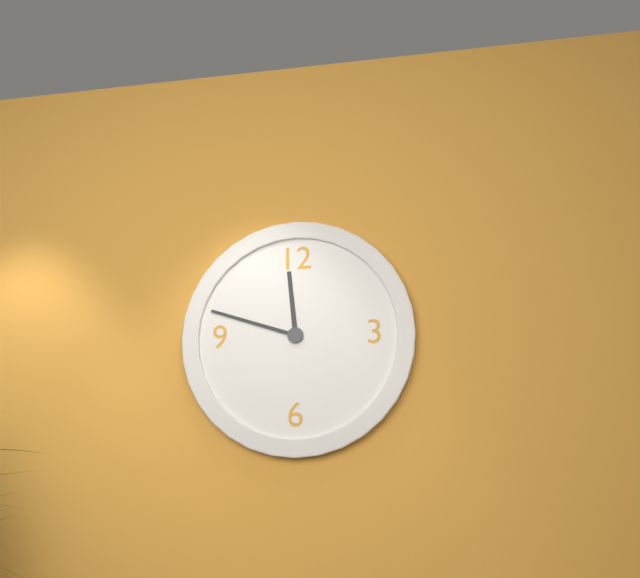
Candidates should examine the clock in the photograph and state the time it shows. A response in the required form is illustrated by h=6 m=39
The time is h=11 m=48
